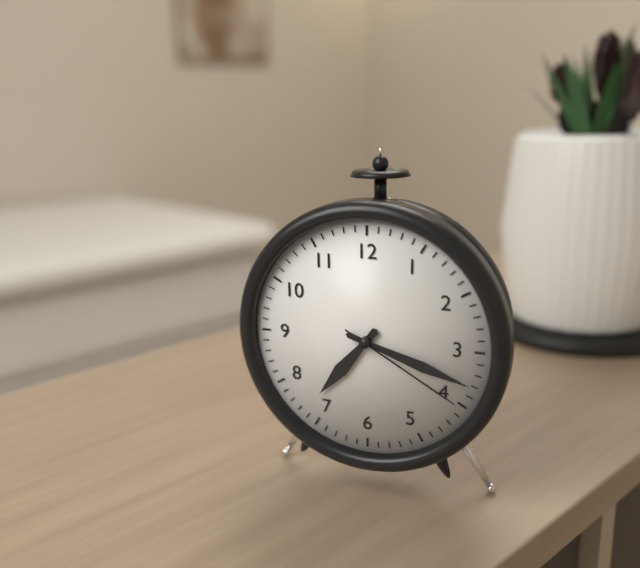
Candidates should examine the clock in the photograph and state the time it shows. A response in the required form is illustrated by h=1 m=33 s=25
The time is h=7 m=18 s=20
